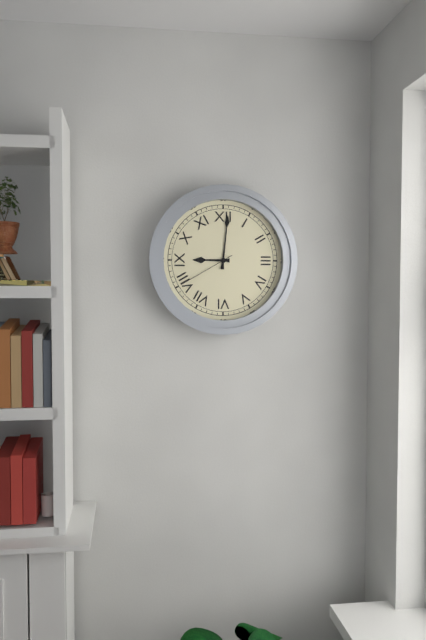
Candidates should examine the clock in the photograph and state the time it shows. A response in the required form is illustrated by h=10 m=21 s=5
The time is h=9 m=1 s=40
